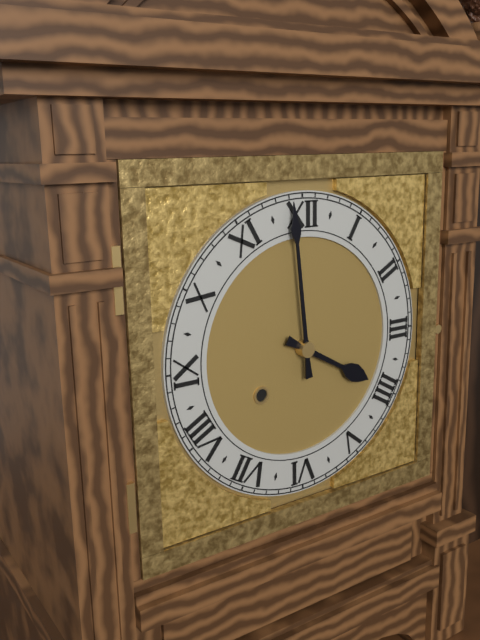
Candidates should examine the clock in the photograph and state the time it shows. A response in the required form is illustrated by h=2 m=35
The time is h=3 m=59
